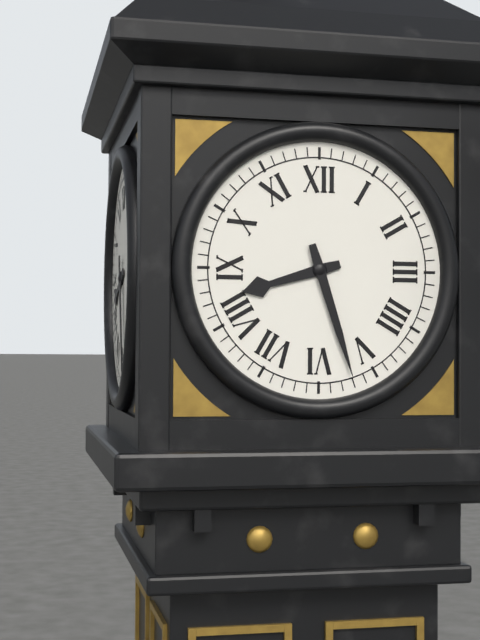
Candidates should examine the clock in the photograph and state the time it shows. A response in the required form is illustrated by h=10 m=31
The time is h=8 m=27
